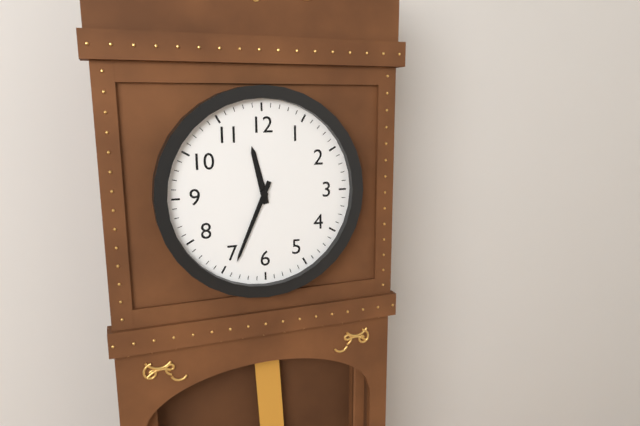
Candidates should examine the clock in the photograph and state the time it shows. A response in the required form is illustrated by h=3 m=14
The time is h=11 m=34
